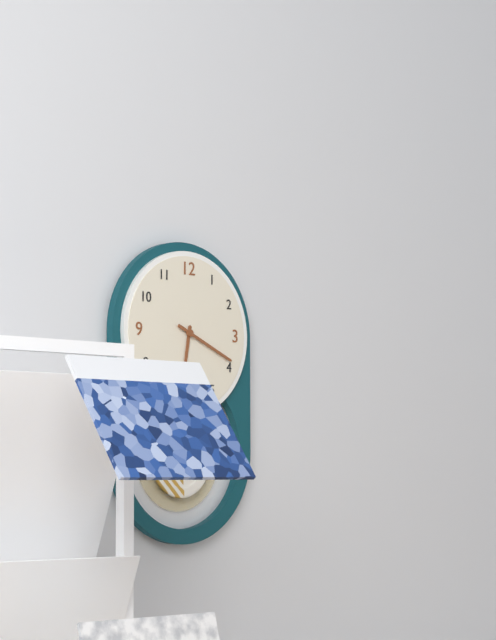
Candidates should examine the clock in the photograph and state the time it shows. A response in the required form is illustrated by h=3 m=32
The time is h=6 m=19
